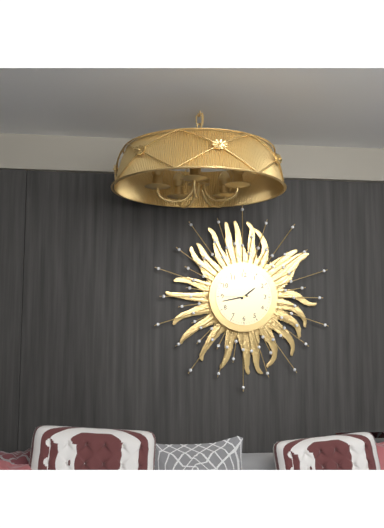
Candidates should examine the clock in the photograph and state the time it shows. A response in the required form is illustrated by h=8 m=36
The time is h=1 m=43
